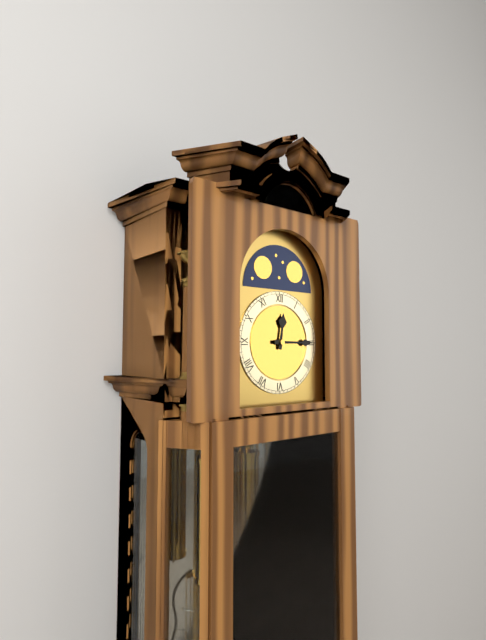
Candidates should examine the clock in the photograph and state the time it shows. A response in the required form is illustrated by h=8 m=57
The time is h=12 m=15
